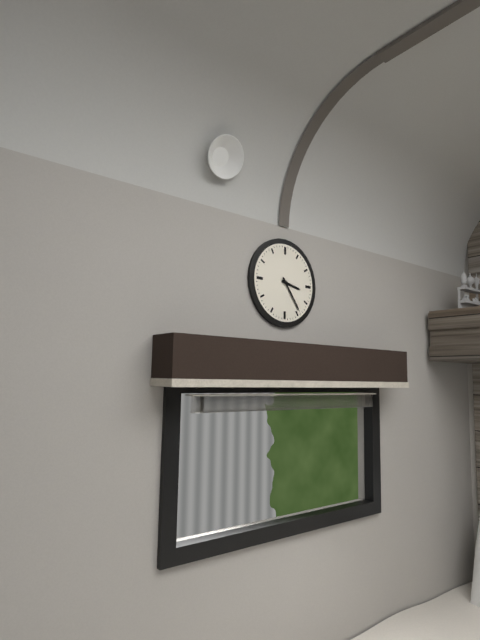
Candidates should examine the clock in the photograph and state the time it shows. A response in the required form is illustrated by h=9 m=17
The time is h=3 m=24
